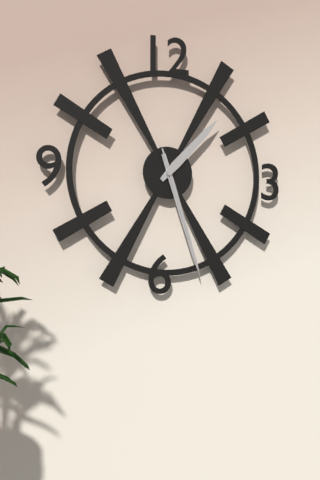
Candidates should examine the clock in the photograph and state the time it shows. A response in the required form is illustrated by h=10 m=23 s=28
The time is h=1 m=27 s=27
